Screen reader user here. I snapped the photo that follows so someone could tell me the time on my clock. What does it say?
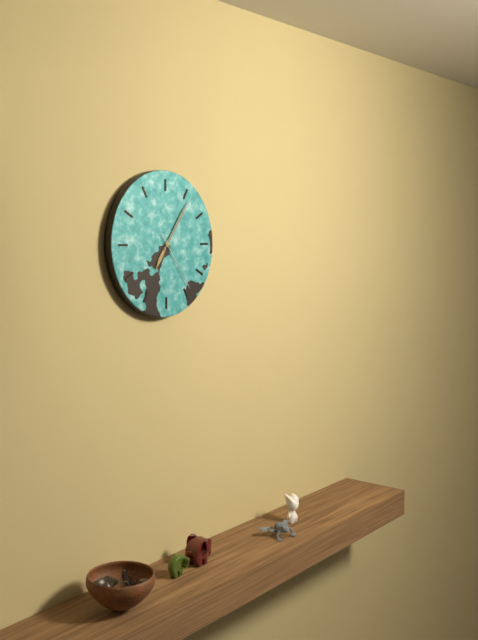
7:06:24
